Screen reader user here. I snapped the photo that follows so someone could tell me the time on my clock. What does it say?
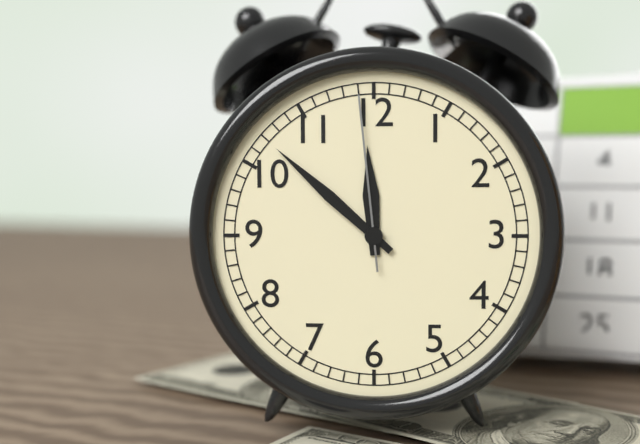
11:52:59
